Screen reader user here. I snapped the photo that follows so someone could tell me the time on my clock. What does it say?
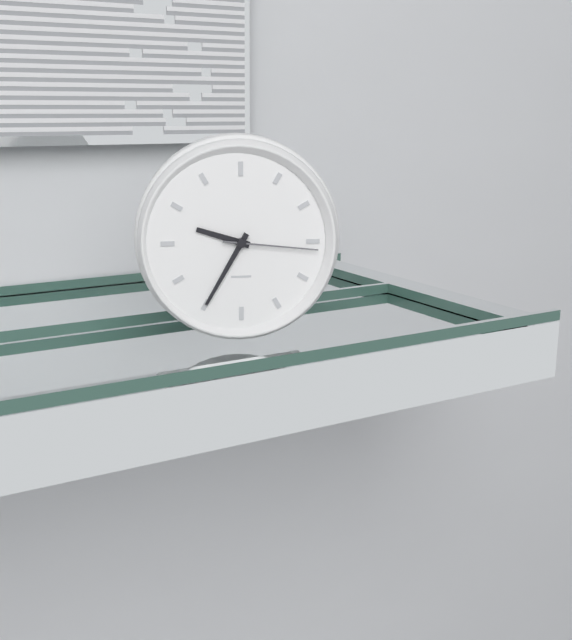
9:35:16
